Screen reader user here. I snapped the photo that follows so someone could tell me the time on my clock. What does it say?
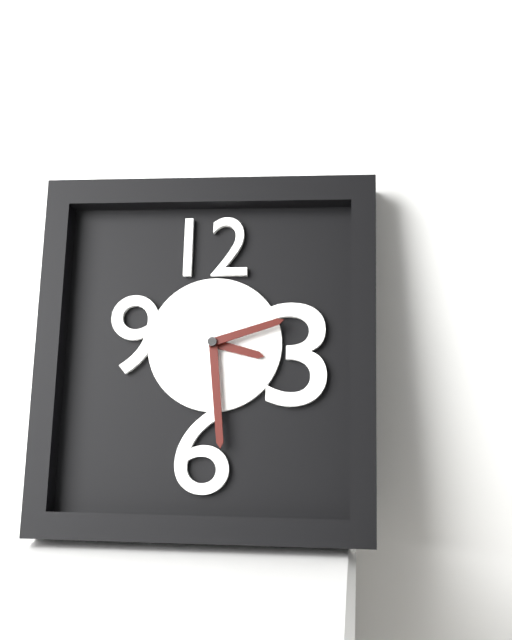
3:29:12
